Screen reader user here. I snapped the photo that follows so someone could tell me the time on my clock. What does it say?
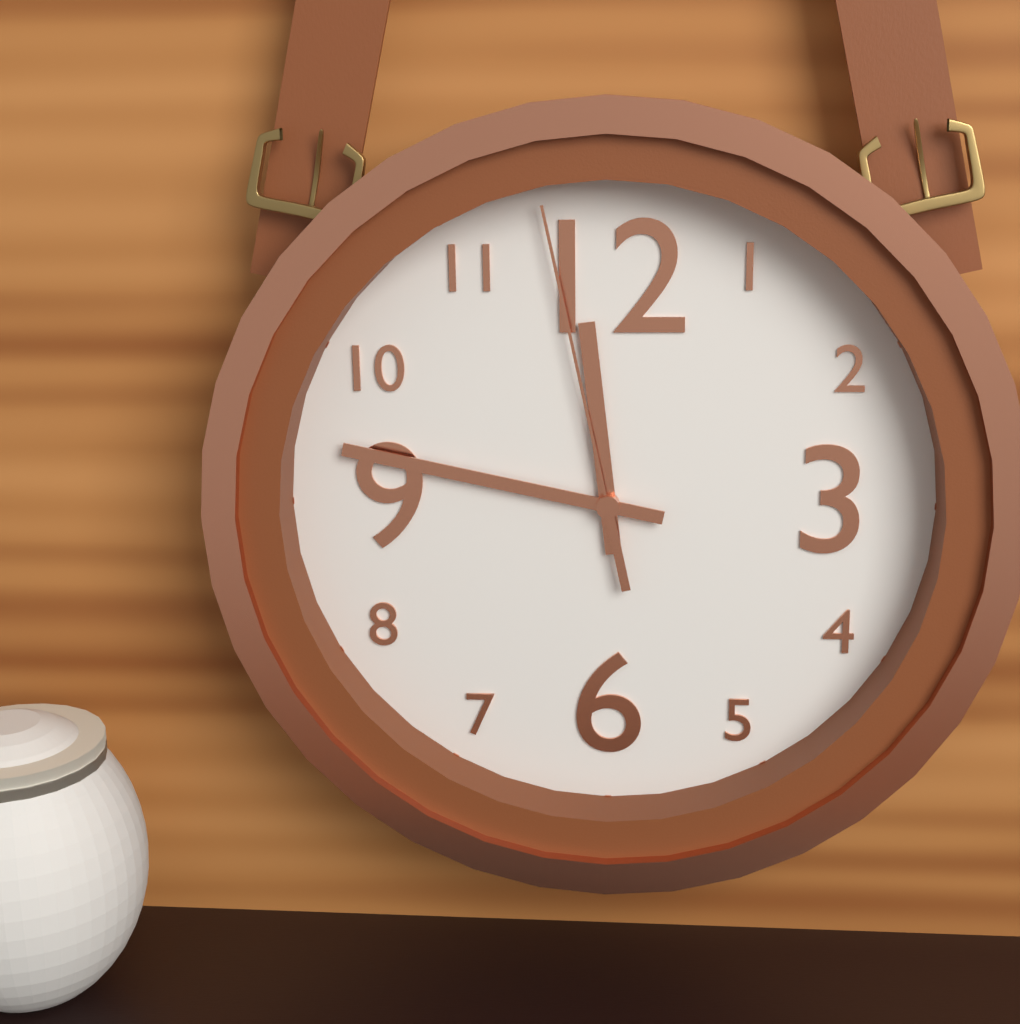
11:47:58
